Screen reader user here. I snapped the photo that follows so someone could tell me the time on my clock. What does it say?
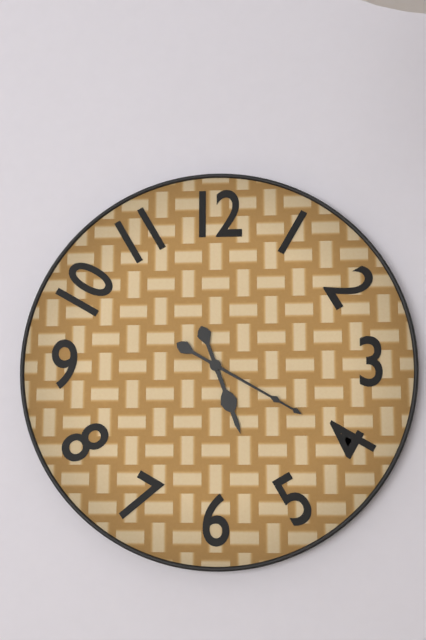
5:20
